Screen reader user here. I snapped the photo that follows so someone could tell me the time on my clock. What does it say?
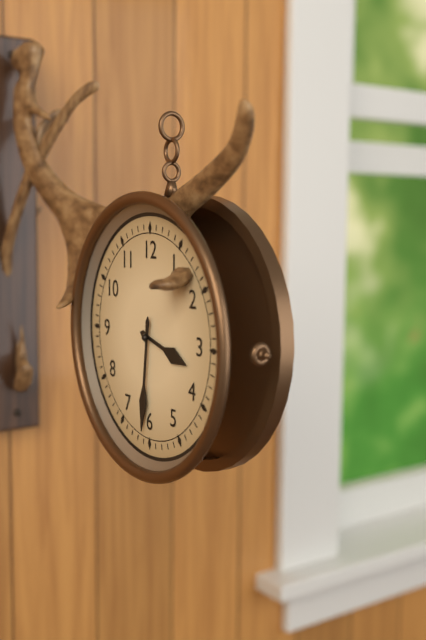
3:31
